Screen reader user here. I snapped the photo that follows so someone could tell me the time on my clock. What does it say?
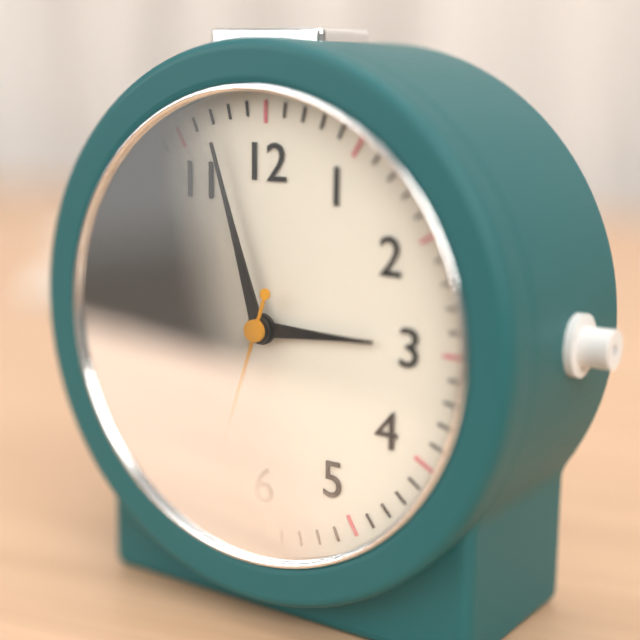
2:57:33
